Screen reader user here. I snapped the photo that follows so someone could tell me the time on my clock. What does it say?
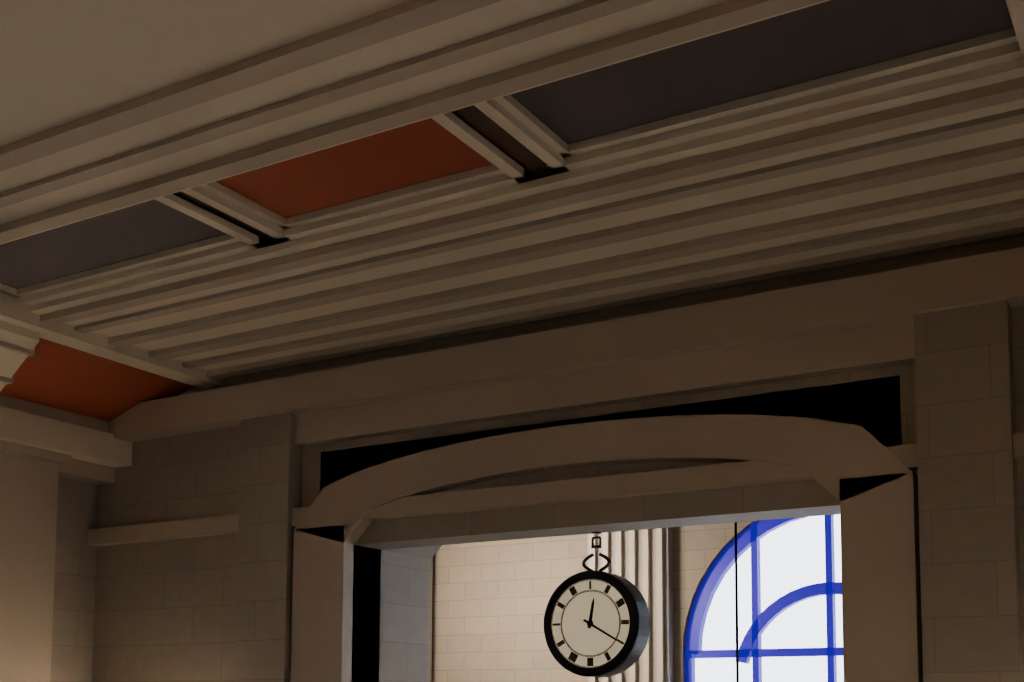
12:20
